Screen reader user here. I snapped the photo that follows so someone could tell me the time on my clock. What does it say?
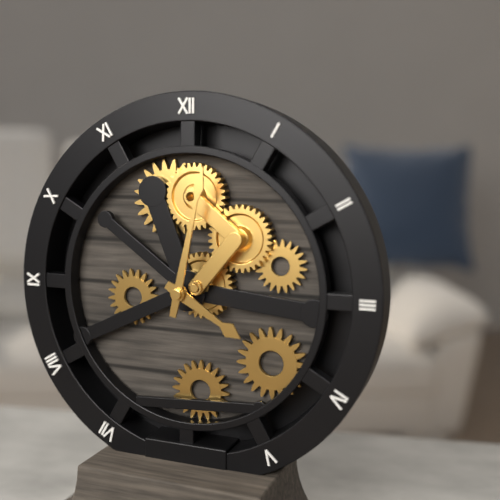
4:02
